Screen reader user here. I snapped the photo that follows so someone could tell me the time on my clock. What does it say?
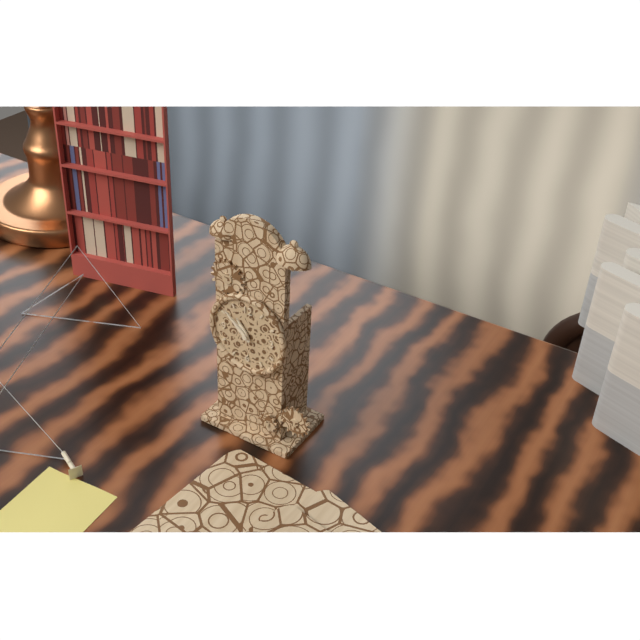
10:52
